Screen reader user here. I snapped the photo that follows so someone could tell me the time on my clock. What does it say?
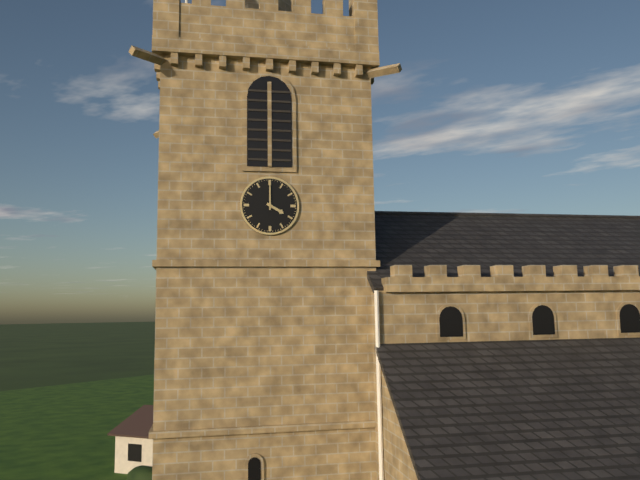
4:00
